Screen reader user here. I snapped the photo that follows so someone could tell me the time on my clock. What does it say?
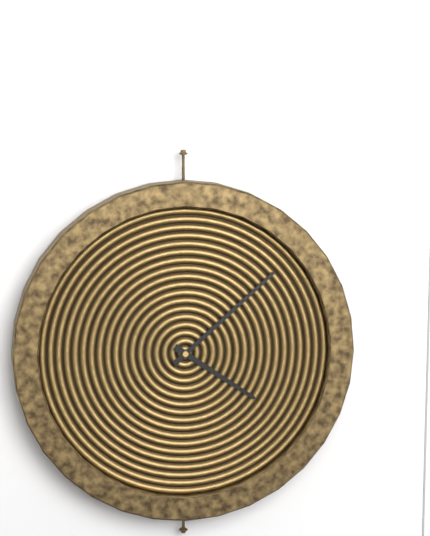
4:08
